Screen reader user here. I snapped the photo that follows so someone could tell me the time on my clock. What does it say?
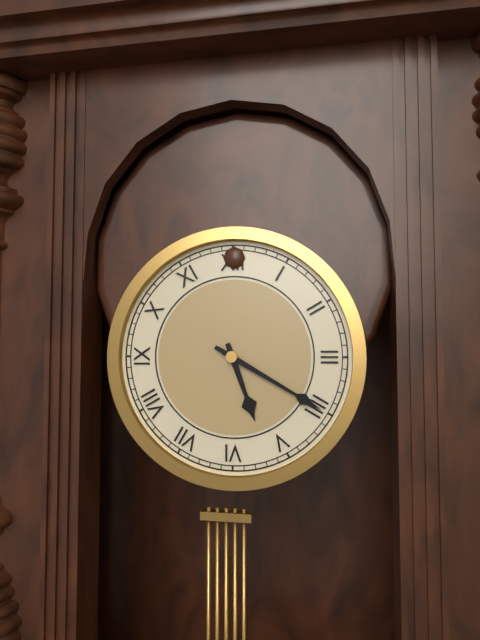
5:20
